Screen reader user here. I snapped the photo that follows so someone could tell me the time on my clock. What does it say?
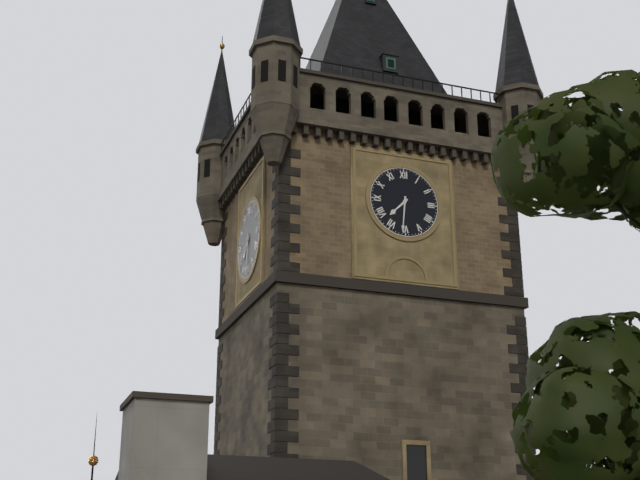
7:31
